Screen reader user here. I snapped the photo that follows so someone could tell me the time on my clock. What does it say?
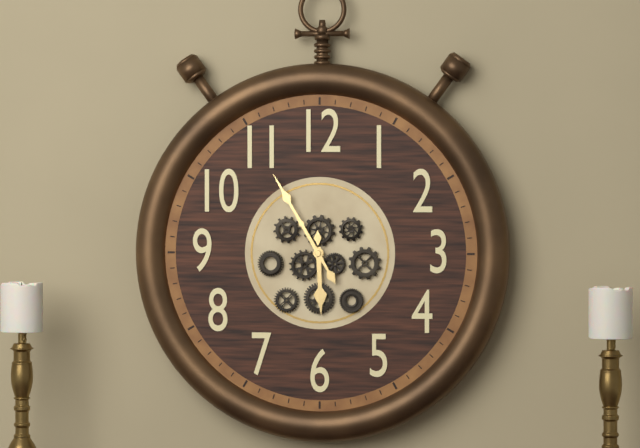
5:55
